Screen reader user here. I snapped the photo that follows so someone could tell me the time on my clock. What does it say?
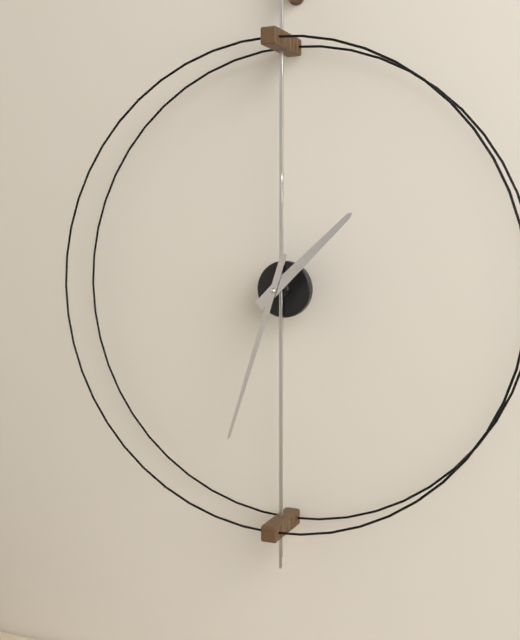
1:33
